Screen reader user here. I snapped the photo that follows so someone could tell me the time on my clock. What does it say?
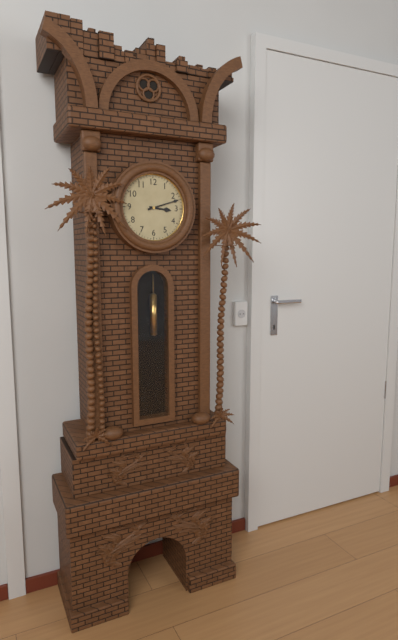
3:12
